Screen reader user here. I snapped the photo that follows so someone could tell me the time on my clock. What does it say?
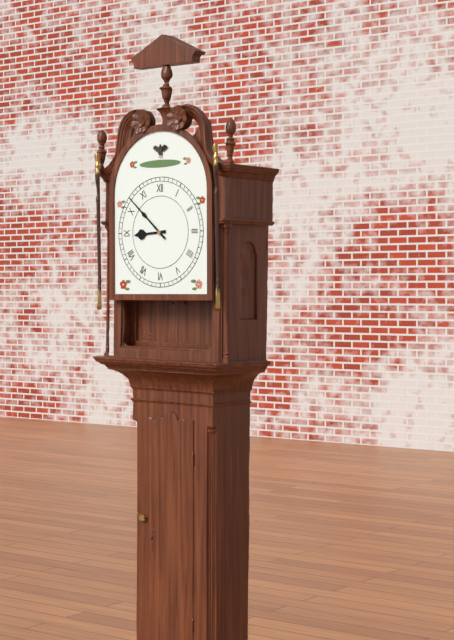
8:52
